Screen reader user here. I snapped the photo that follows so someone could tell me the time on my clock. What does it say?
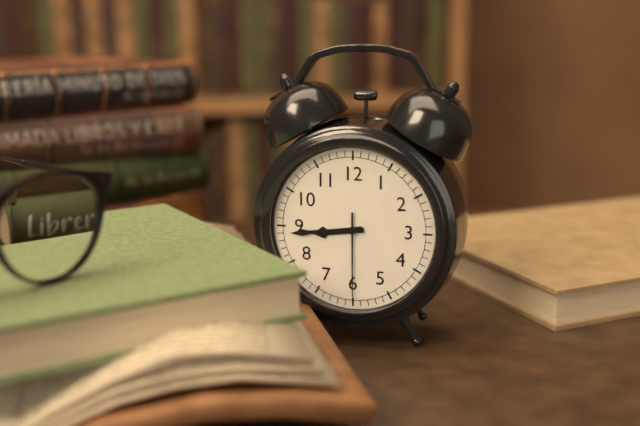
8:44:30
